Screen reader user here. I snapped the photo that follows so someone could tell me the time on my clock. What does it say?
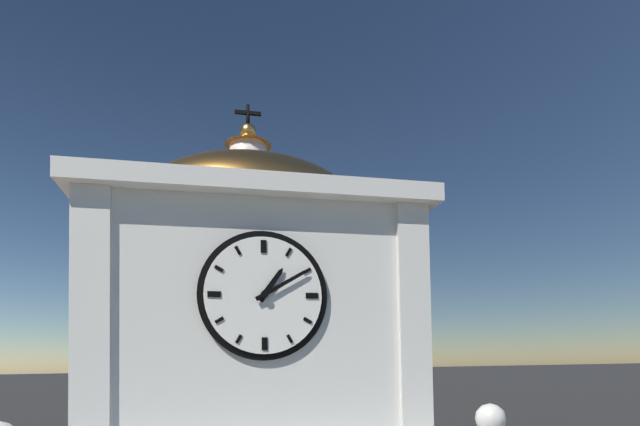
1:10
